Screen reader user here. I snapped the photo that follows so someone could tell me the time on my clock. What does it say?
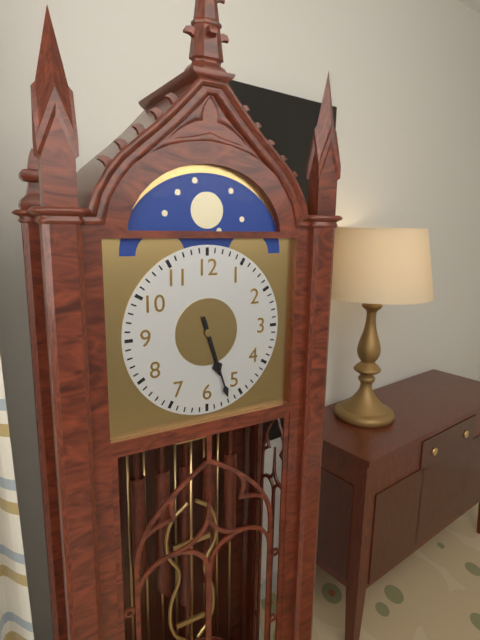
5:27
